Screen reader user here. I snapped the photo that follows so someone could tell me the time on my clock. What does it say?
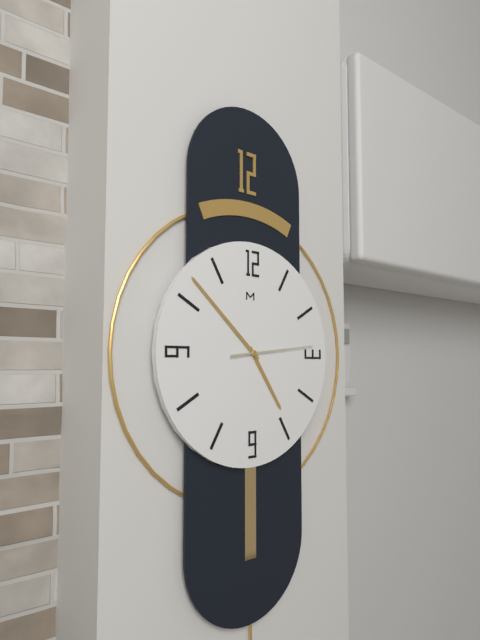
4:52:14
